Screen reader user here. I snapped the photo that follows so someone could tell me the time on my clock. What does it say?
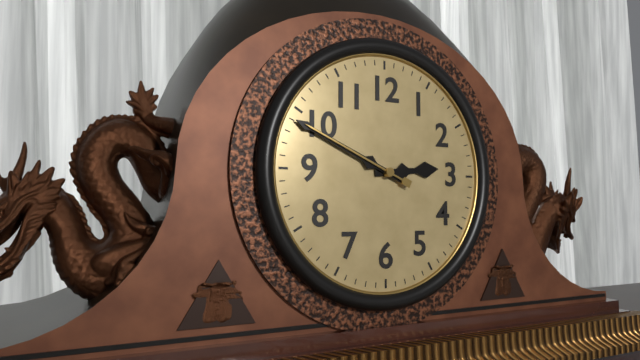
2:49:49
